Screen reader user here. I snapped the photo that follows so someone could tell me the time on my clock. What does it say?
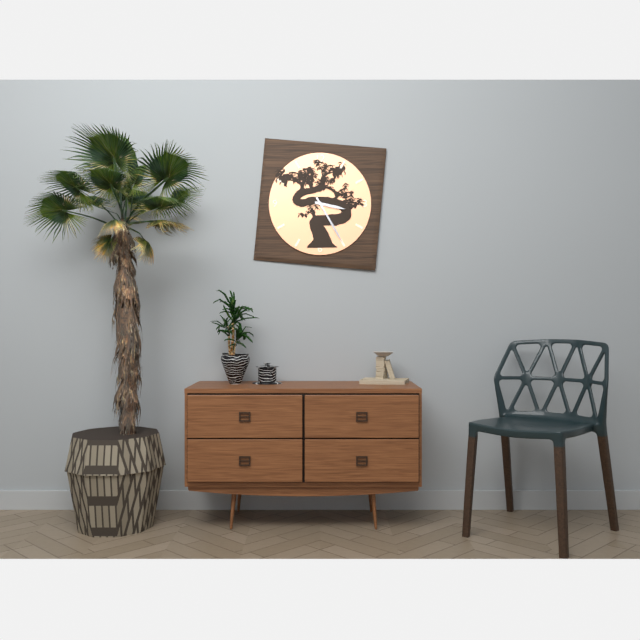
3:25
